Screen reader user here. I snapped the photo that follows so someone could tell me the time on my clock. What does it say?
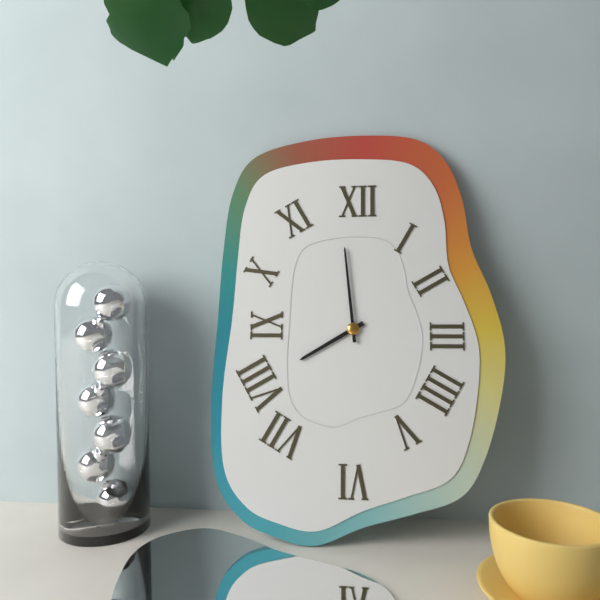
7:59
